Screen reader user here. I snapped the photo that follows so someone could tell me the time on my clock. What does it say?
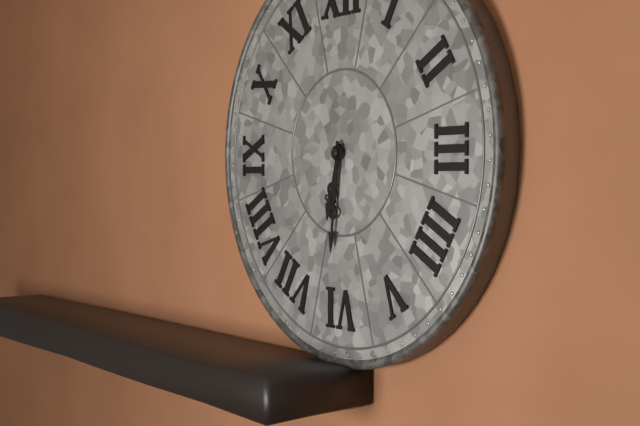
6:31
